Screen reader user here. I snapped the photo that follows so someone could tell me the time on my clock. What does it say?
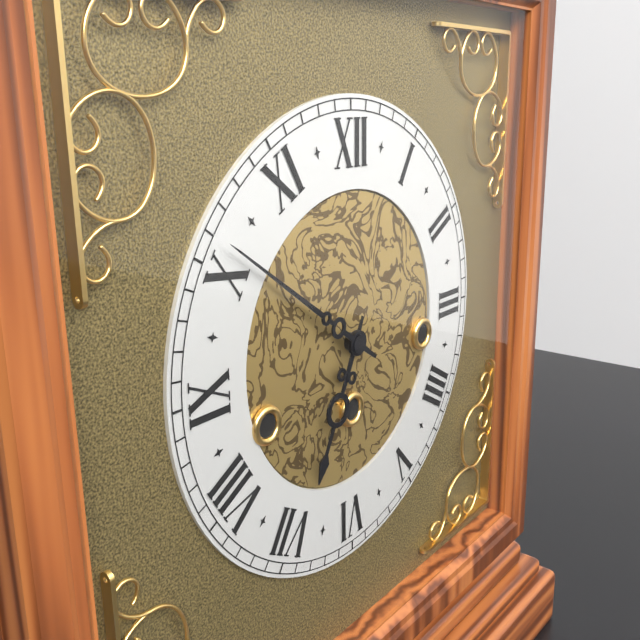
6:51
